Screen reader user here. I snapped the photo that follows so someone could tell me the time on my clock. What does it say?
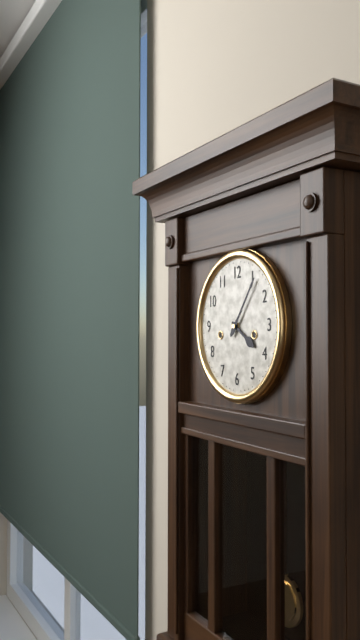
4:06
